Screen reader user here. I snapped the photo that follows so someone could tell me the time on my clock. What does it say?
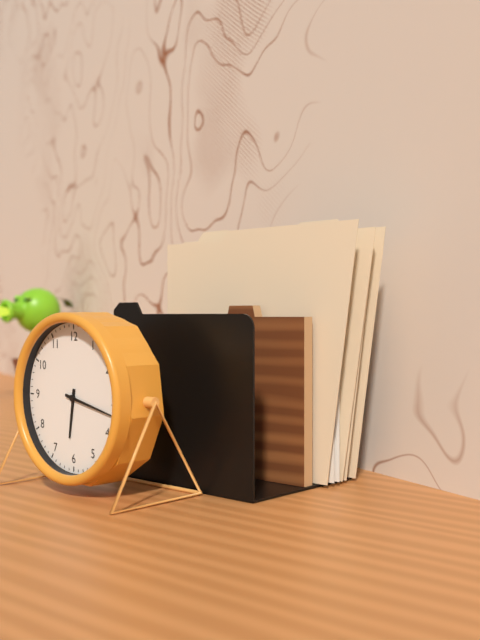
6:17
